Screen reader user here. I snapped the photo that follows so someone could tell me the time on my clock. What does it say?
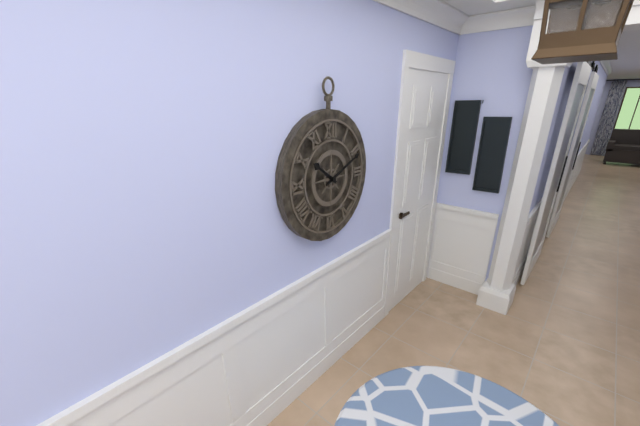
10:11
